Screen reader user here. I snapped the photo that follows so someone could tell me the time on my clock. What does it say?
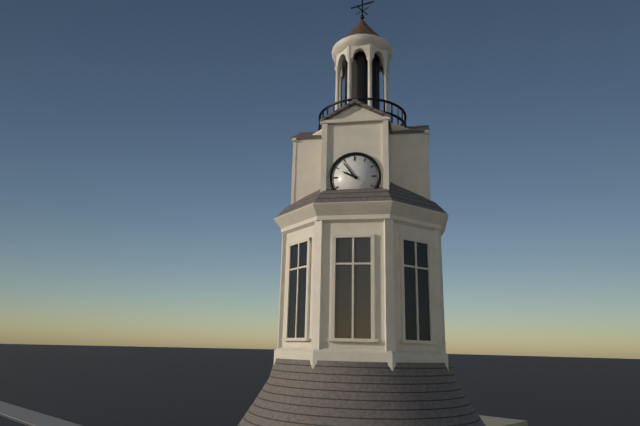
9:54
